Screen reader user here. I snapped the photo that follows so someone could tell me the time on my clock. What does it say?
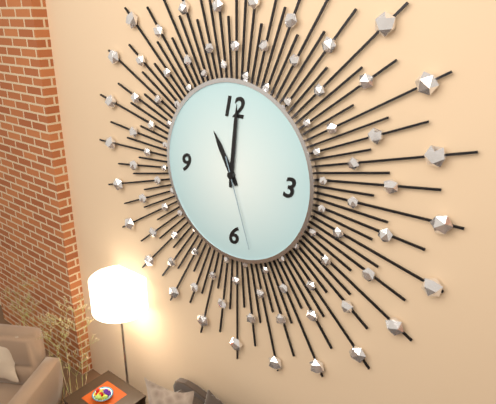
11:01:27
